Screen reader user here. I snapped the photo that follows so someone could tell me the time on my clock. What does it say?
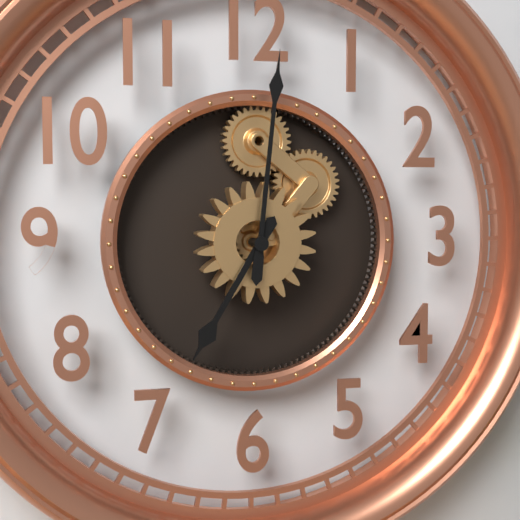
7:01
